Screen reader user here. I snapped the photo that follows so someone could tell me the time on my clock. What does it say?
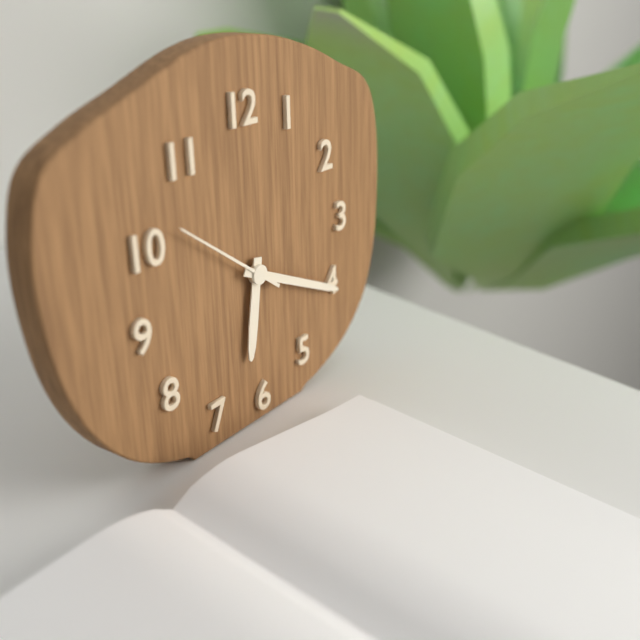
6:19:51
